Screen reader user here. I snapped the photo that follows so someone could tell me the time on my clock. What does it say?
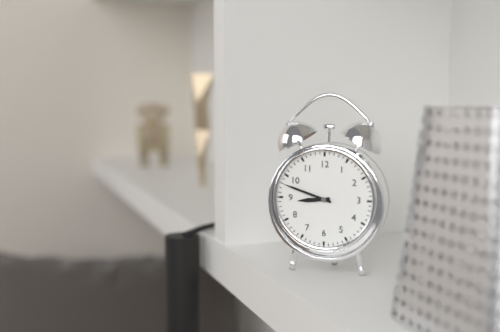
8:48
